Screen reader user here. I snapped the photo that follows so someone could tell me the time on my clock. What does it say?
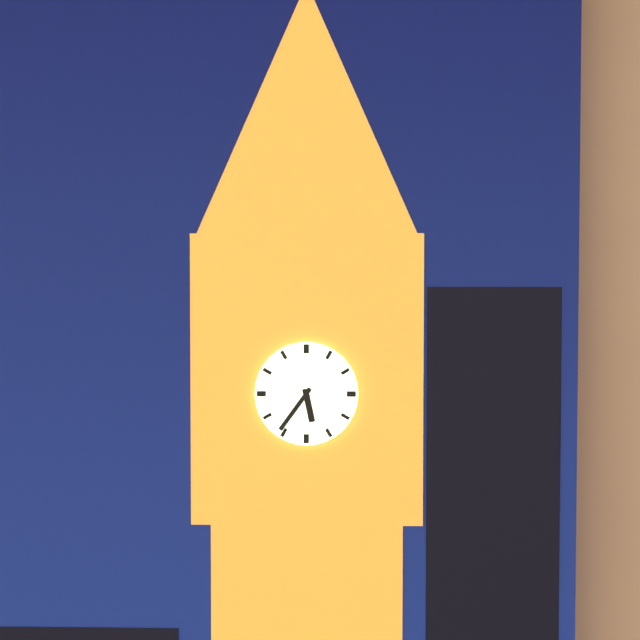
5:36
